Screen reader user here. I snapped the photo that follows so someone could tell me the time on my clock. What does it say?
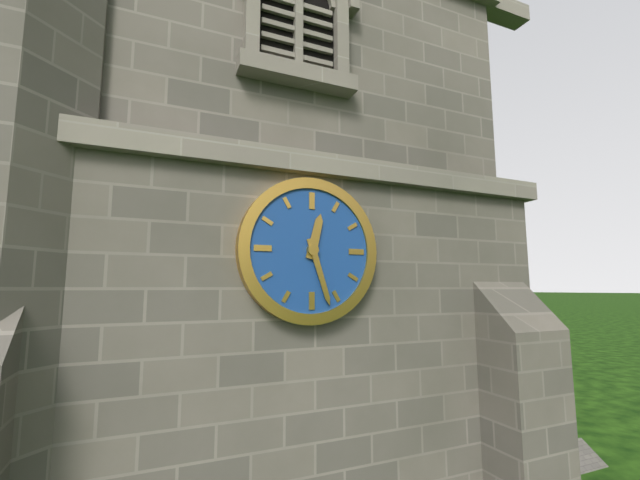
12:27
